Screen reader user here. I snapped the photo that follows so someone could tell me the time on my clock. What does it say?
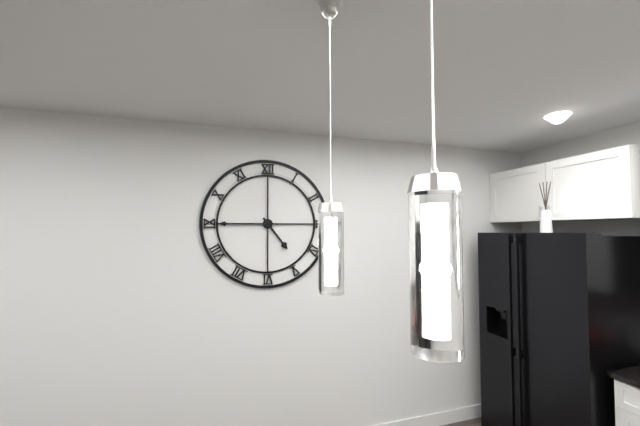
4:45
